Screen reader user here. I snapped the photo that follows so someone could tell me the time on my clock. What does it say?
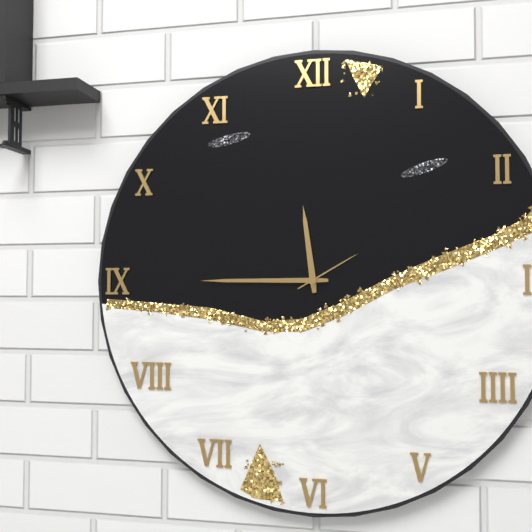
11:45:10
